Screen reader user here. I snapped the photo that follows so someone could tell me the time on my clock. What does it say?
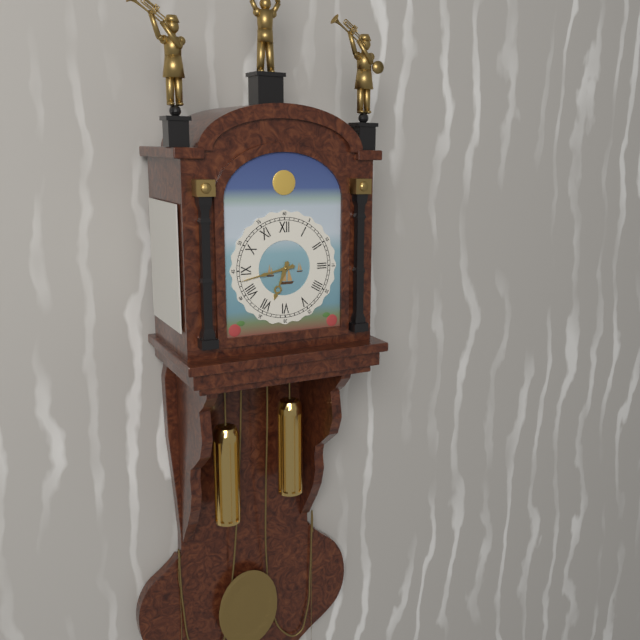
6:43
